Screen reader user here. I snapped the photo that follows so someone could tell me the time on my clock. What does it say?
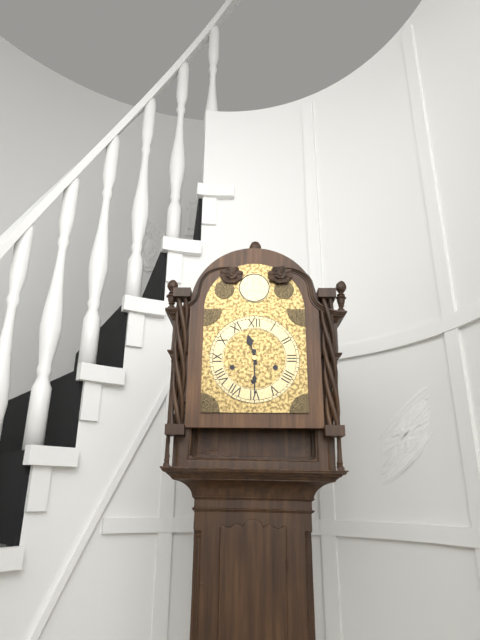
11:30
